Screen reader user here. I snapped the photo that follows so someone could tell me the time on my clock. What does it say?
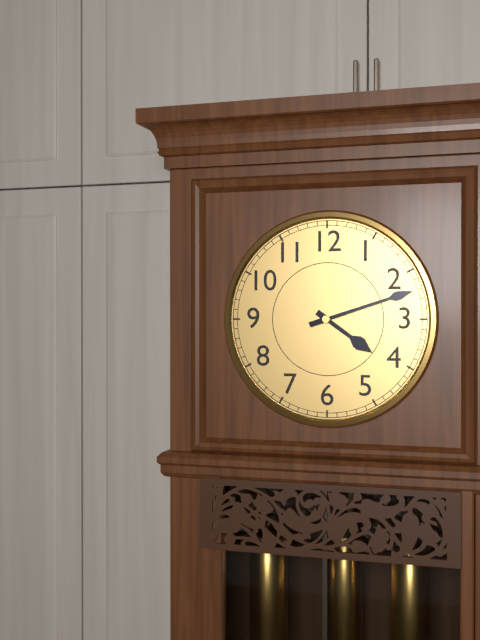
4:12
